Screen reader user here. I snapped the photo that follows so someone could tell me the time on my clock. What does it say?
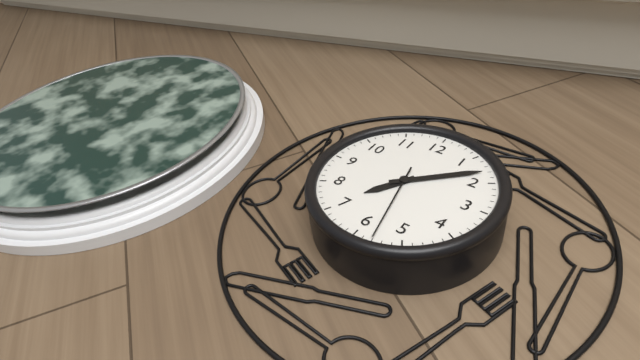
7:08:28
